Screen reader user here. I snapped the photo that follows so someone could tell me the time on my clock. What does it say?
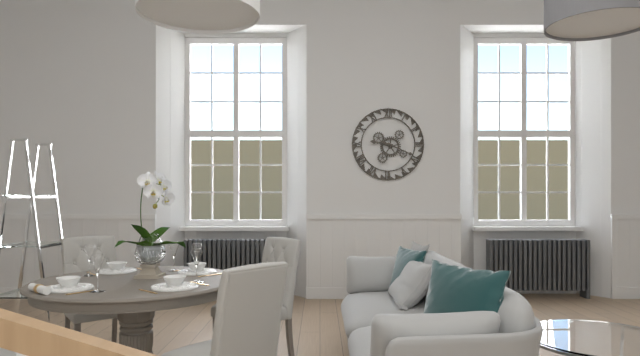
9:19
